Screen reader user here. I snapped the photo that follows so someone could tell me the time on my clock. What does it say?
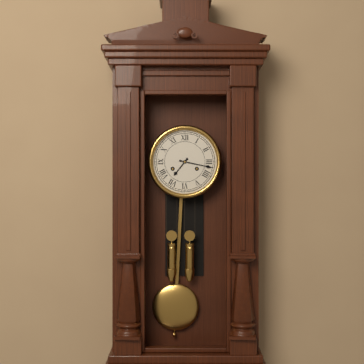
7:17
